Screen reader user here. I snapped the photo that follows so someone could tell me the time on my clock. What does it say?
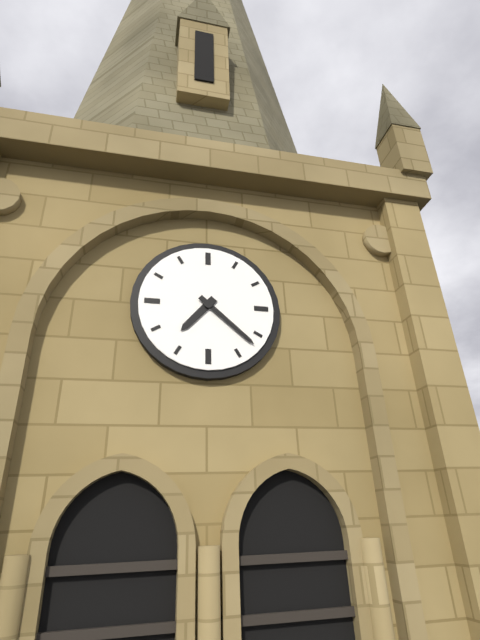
7:22
